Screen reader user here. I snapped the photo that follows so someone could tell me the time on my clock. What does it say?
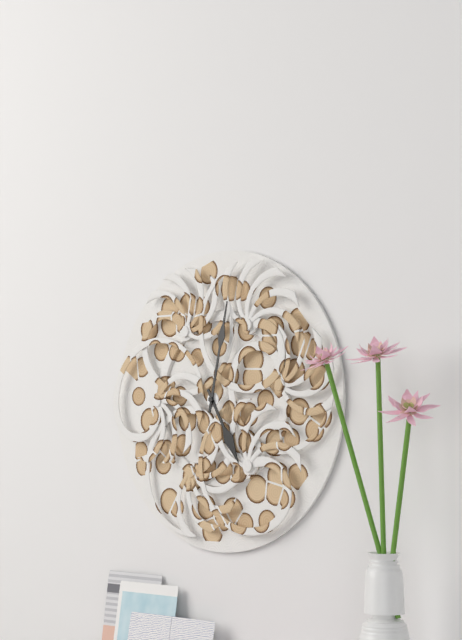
5:02
